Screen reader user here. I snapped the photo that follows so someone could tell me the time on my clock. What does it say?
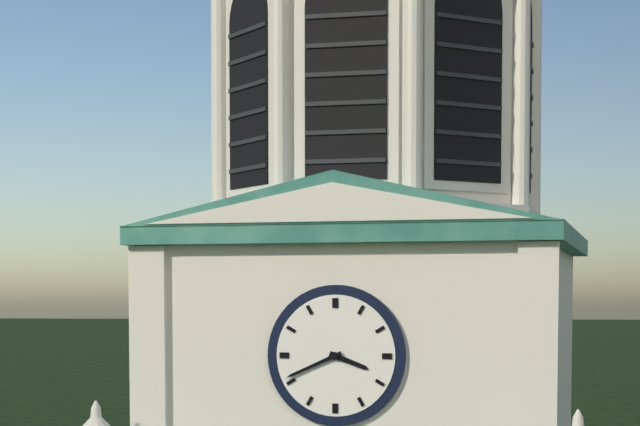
3:41
